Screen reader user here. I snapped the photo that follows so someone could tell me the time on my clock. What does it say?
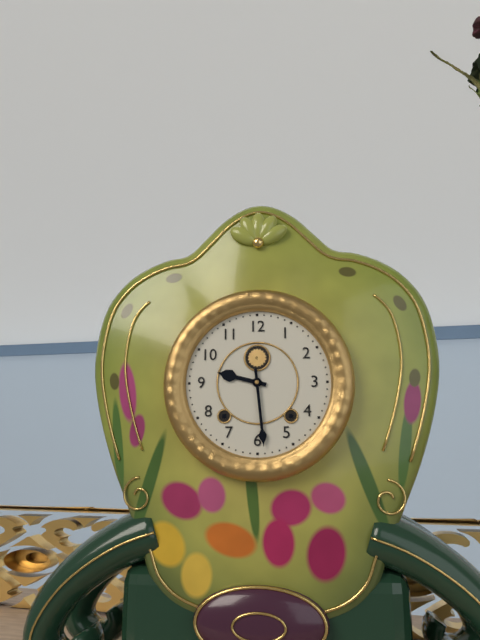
9:29
